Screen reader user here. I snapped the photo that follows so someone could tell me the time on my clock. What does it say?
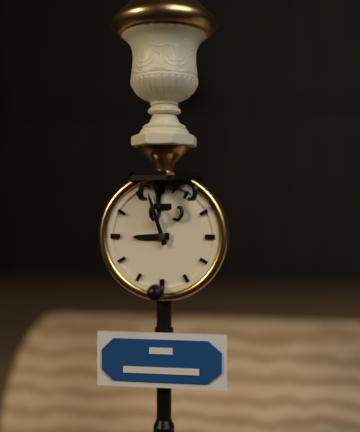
8:57
